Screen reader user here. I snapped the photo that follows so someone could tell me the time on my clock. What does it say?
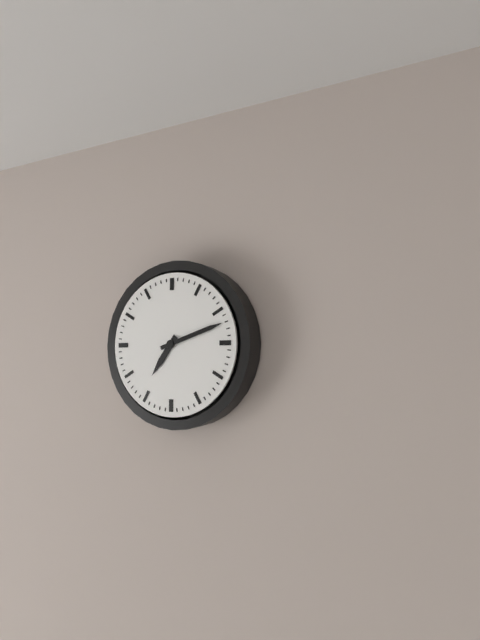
7:12
